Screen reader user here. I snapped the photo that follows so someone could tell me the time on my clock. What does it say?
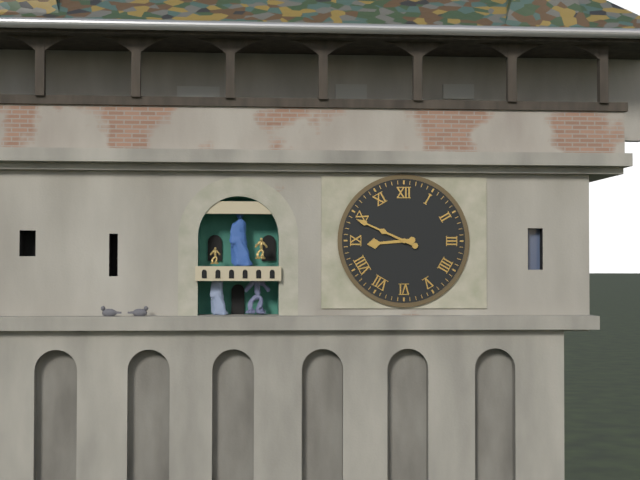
8:49
